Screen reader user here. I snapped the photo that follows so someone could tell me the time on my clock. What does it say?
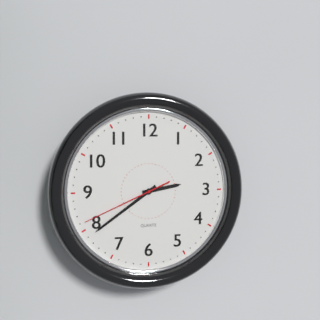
2:39:41
